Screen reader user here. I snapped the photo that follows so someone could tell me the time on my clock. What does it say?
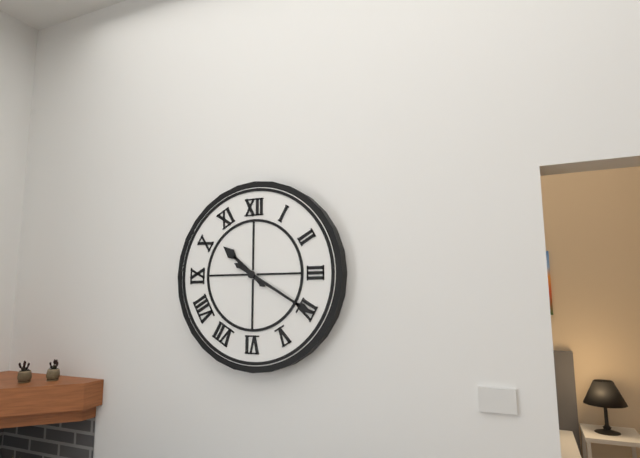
10:20
